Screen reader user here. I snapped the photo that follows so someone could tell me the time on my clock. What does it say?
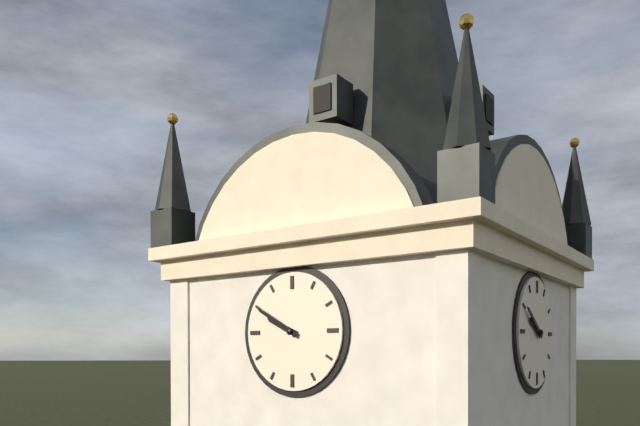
9:50
